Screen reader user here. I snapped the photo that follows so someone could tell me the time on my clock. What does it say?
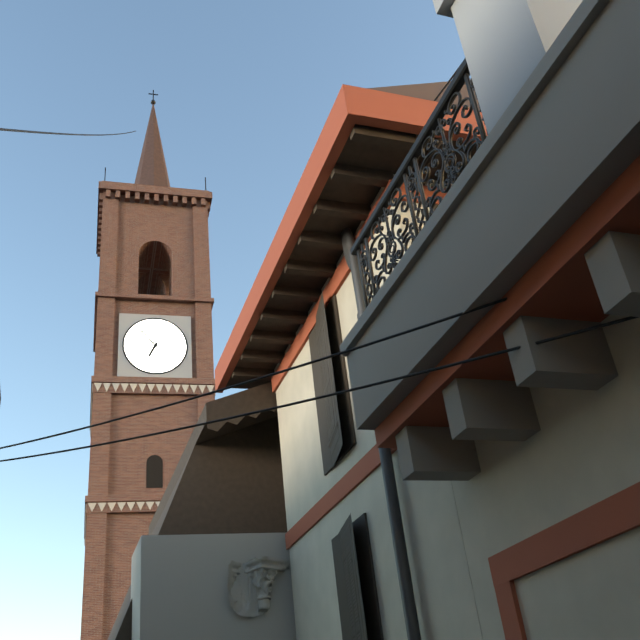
6:53
